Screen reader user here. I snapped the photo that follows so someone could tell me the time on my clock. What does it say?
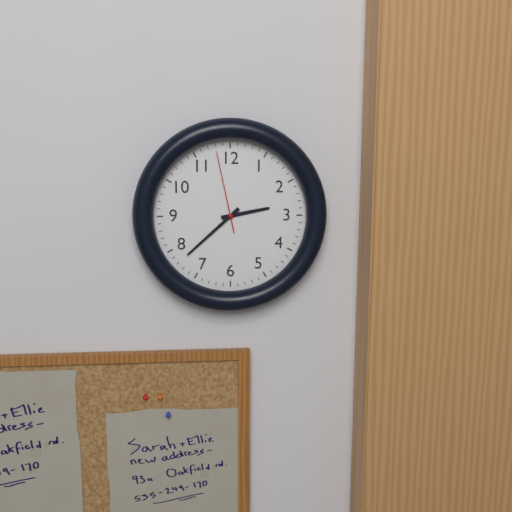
2:38:58
